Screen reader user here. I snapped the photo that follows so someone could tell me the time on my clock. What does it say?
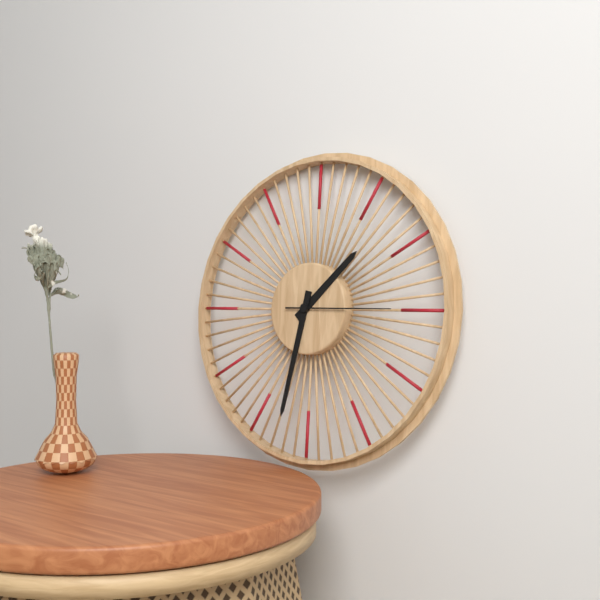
1:32:15
